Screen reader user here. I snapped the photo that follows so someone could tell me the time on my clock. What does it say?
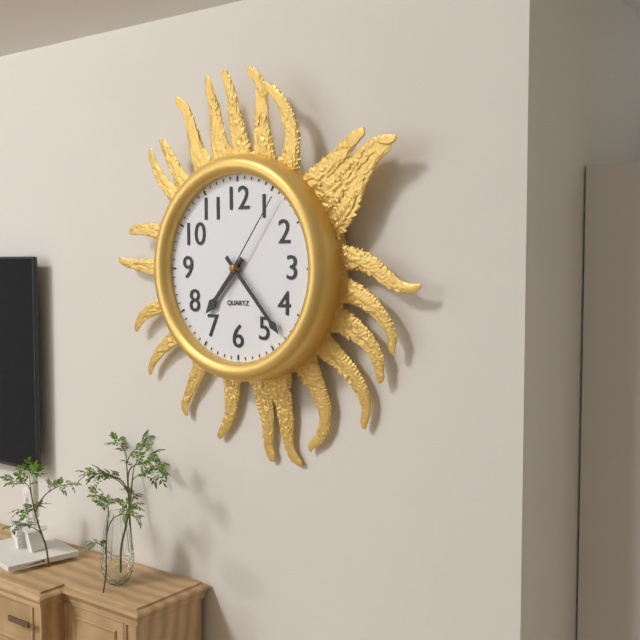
7:23:06
